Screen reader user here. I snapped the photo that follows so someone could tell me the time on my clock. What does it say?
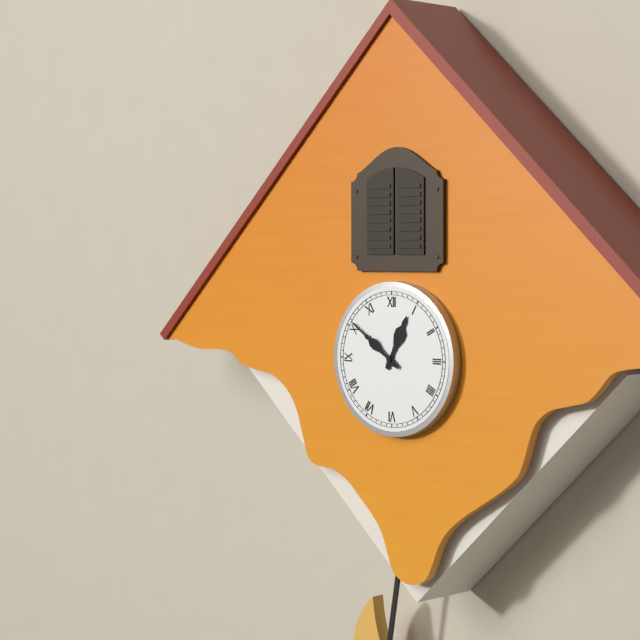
12:51
